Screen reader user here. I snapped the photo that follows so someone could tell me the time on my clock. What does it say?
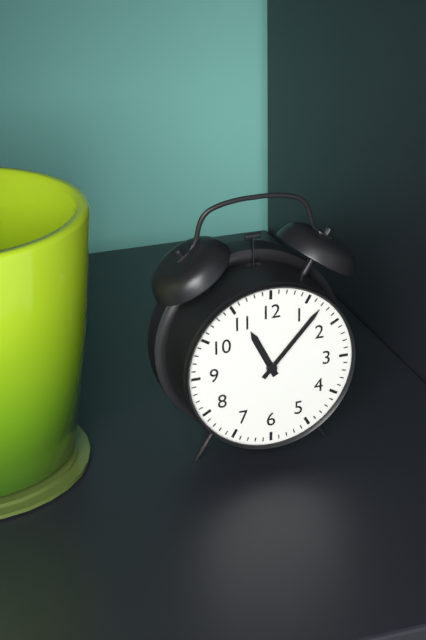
11:07
